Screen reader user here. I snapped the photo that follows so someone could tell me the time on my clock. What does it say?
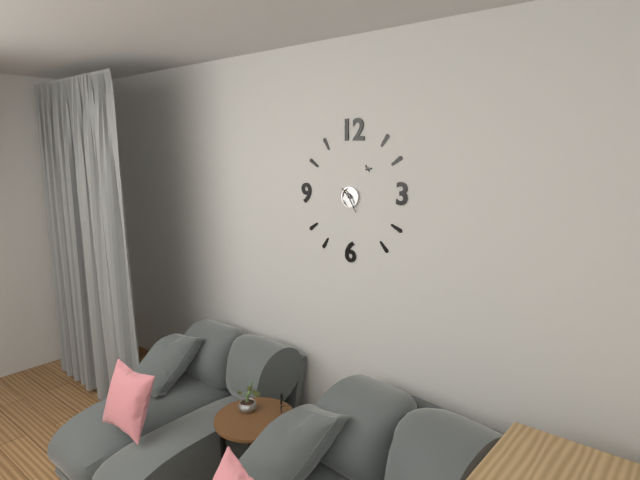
10:25
